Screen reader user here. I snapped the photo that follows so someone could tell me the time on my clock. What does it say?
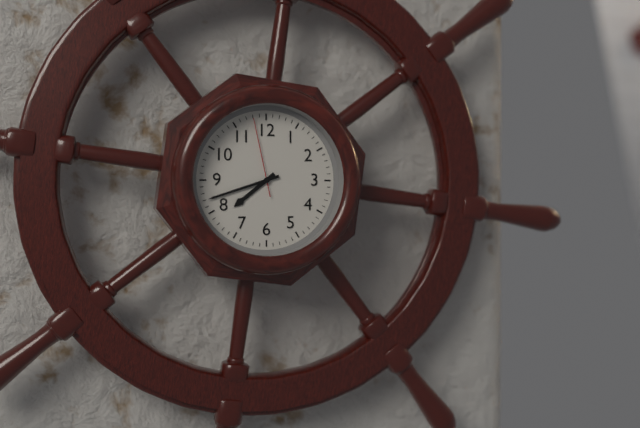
7:42:58
